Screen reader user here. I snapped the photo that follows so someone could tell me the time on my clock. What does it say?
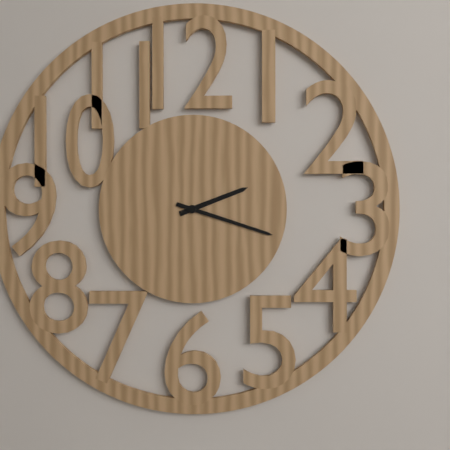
2:18
